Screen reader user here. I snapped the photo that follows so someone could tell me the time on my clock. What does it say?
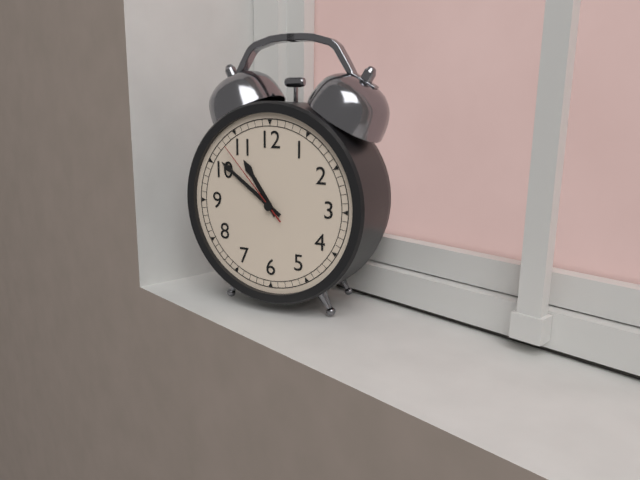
10:51:53
